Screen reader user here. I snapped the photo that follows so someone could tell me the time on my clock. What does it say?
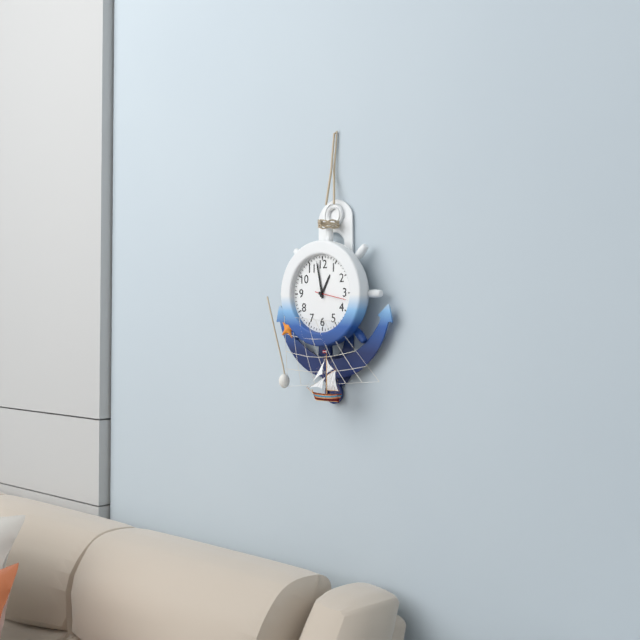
12:58
